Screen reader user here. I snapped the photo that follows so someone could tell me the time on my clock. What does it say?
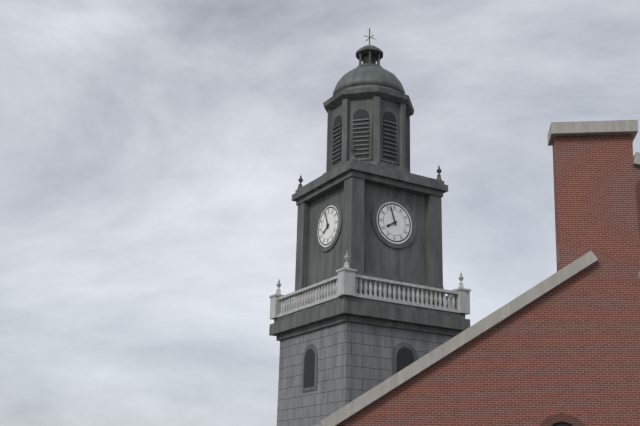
7:57
